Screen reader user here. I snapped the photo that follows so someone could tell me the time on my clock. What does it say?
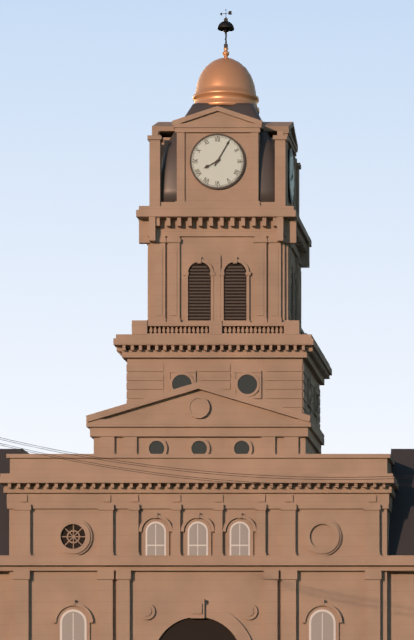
8:05
